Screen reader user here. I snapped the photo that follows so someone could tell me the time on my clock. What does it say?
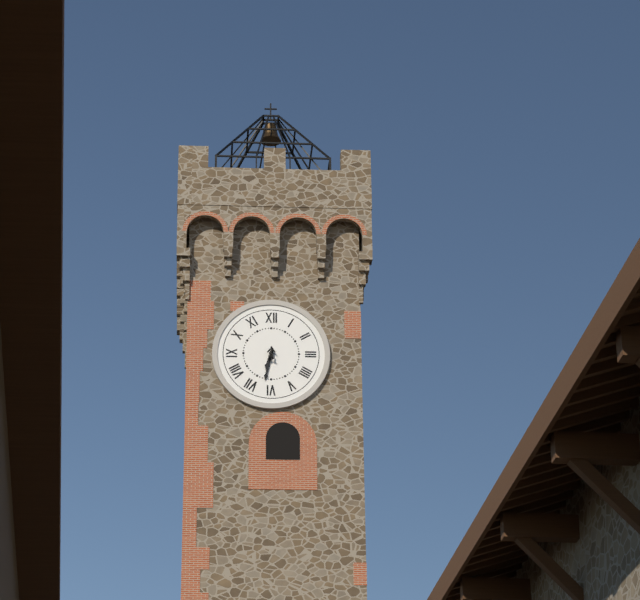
6:32
